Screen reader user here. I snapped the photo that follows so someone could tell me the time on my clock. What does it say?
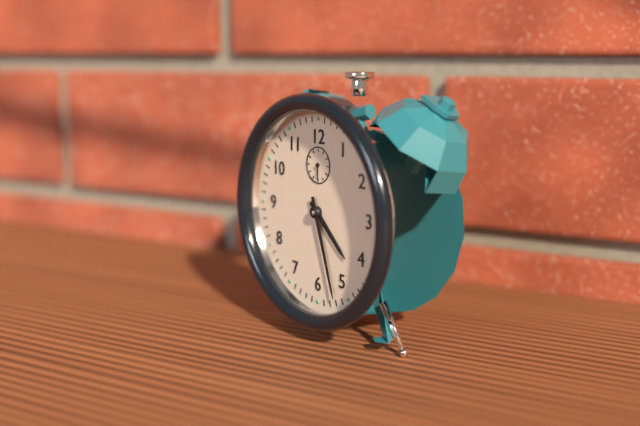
4:27
